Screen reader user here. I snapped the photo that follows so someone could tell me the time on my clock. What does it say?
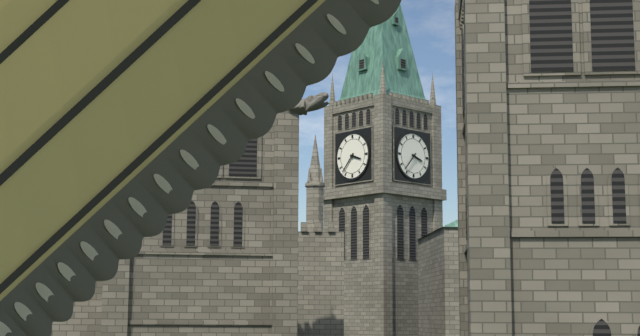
3:37
